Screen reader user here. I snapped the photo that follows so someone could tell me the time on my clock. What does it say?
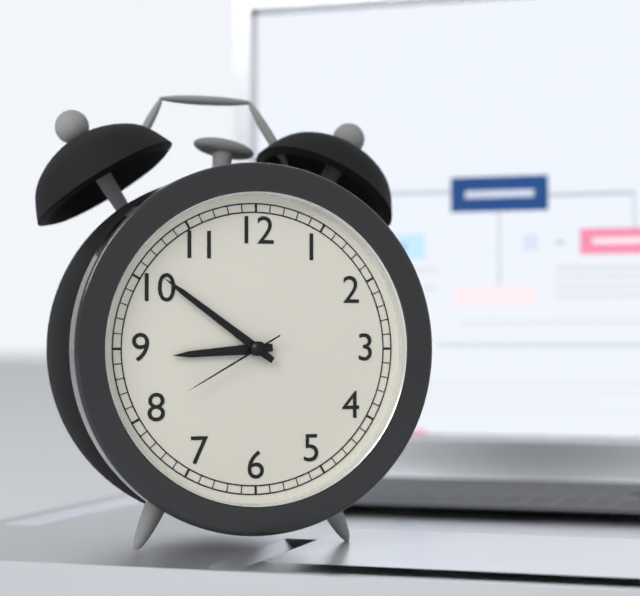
8:51:40
